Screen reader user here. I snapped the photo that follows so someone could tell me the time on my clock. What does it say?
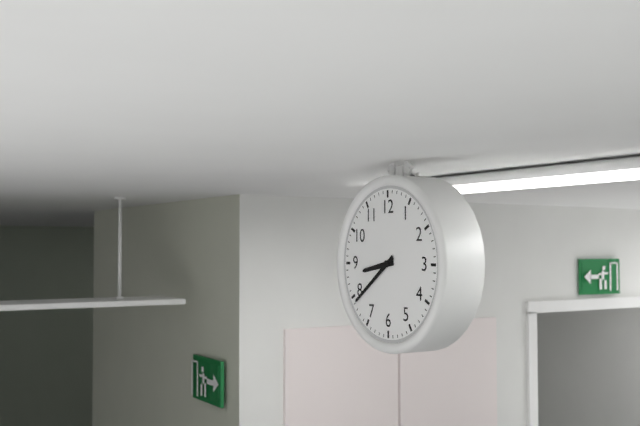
8:39
